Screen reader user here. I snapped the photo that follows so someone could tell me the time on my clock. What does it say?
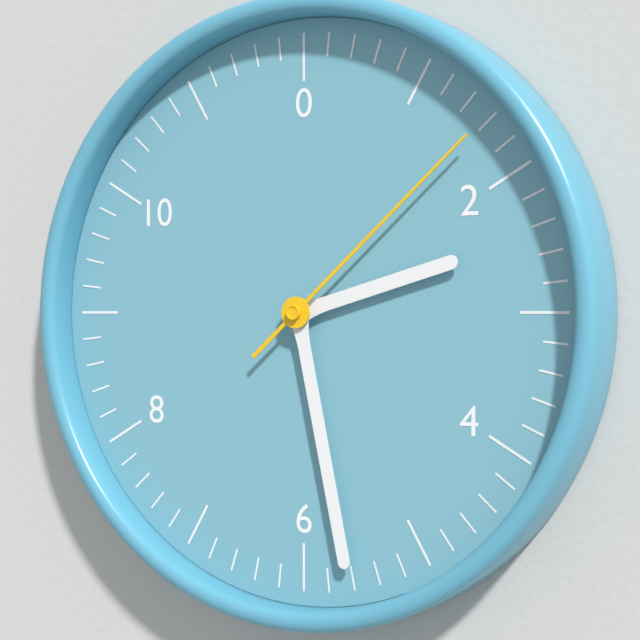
2:28:08
